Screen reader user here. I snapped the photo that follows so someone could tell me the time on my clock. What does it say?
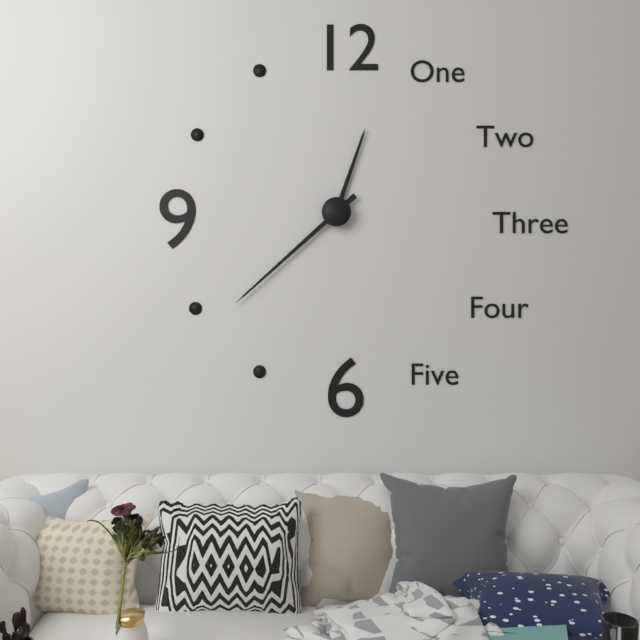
12:38
